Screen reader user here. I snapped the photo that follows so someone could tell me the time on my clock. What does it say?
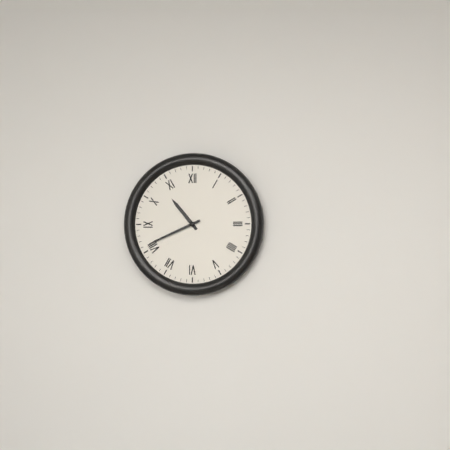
10:41
